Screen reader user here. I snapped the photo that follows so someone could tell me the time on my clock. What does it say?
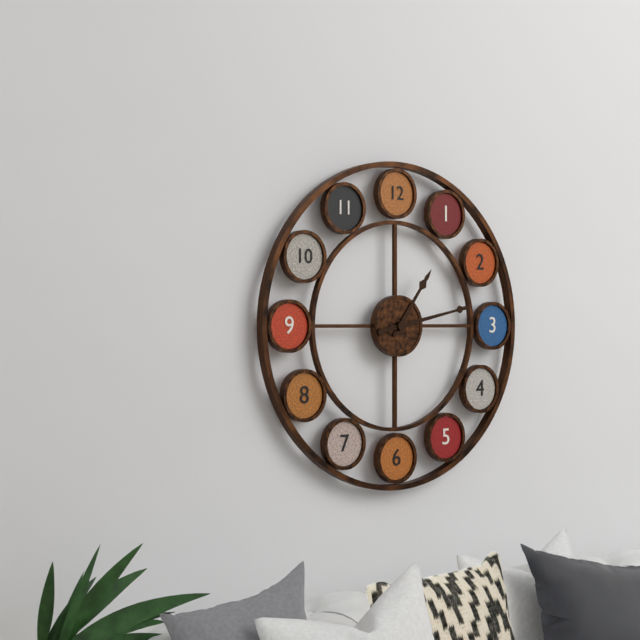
1:13
